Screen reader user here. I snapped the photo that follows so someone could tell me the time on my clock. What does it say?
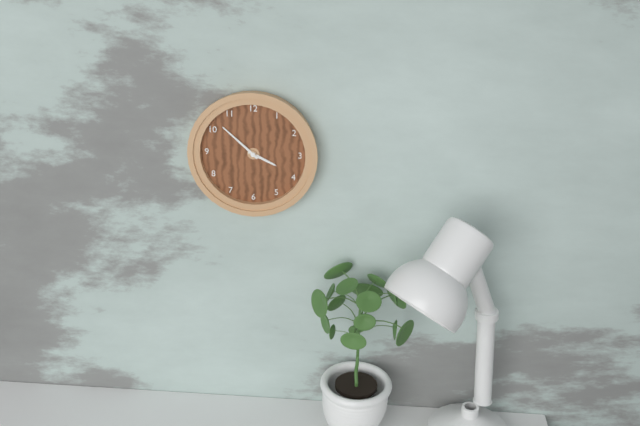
3:52
